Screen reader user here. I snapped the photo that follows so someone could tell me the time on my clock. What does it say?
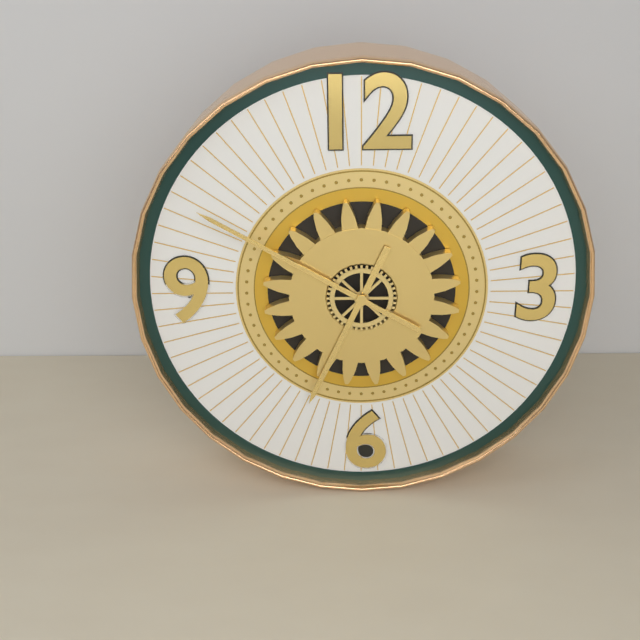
6:50
